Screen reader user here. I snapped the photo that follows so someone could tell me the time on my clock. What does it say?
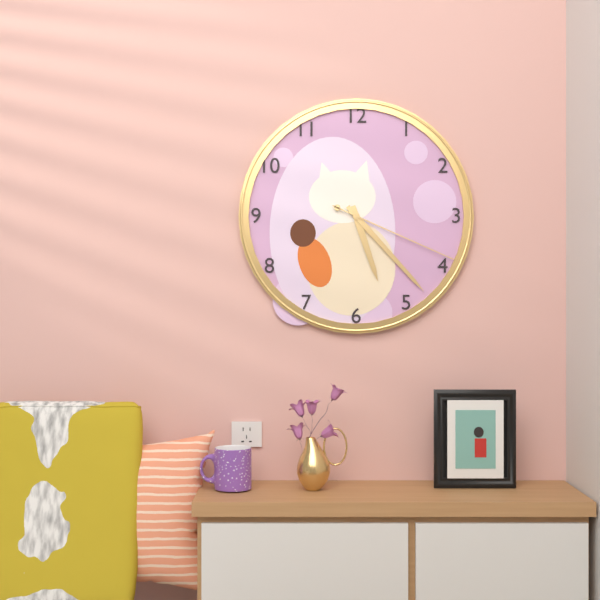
5:23:19
